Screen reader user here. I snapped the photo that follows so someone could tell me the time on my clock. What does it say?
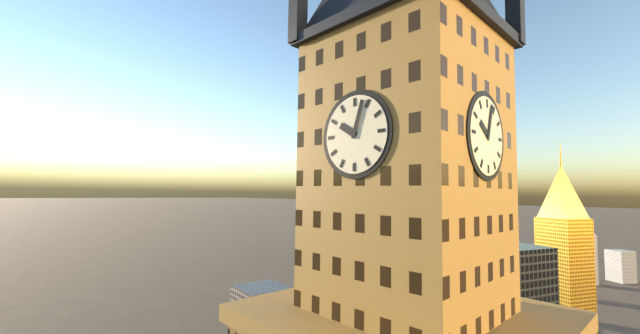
10:03
